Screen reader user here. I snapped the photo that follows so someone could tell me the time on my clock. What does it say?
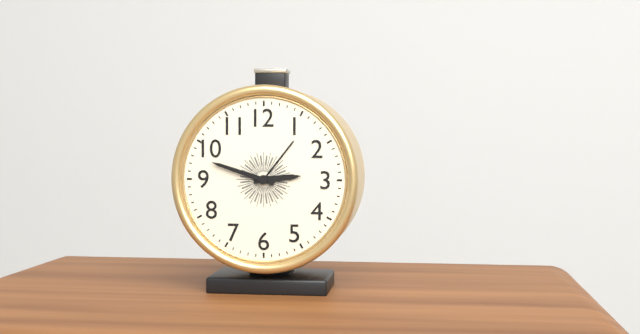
2:48
